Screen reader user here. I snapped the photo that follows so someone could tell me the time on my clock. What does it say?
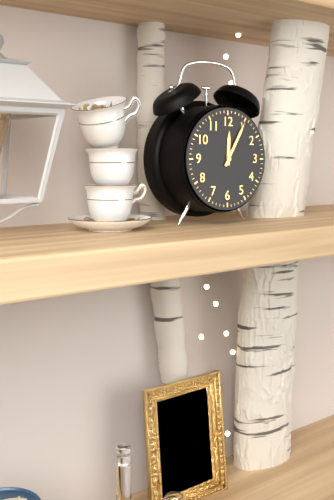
12:05
